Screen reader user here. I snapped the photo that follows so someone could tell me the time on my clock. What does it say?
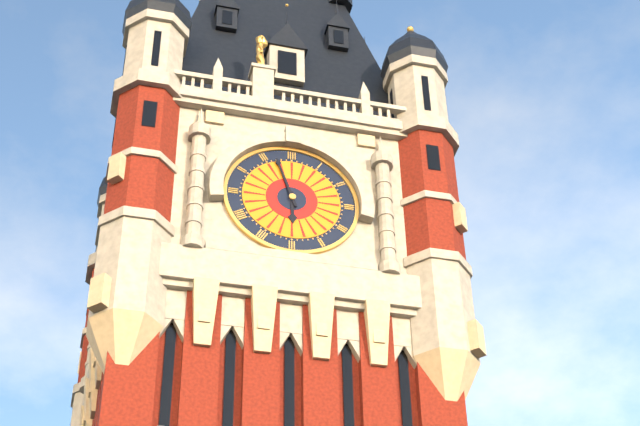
5:57
